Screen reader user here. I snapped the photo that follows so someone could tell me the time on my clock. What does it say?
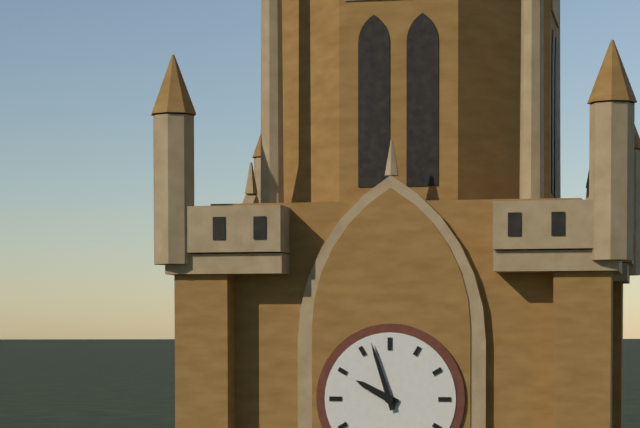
9:57
